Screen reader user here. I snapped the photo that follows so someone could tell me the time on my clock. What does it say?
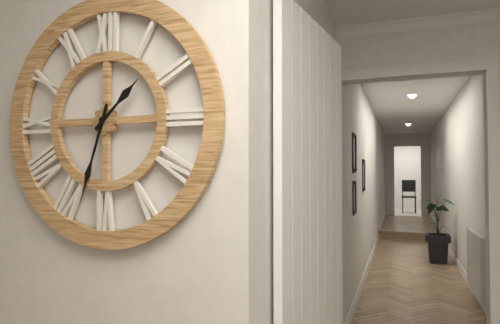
1:33
